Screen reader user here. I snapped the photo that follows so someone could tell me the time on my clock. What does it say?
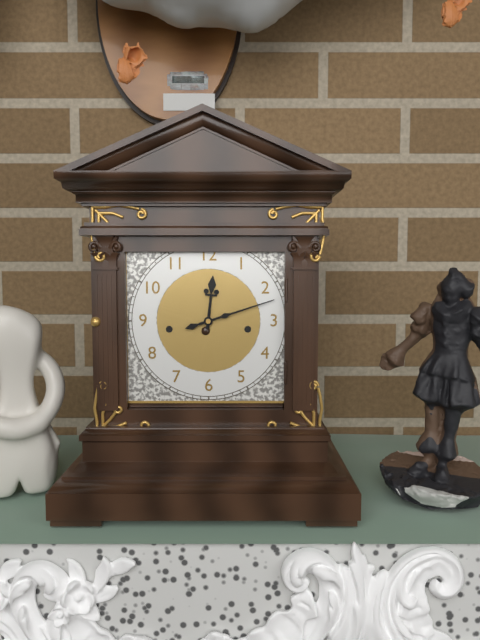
12:12
